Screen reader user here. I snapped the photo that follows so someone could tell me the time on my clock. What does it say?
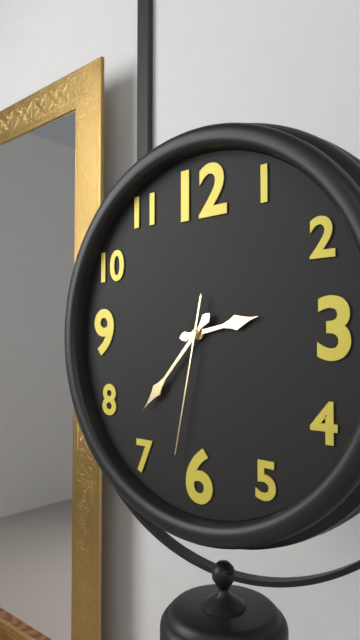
2:37:32
